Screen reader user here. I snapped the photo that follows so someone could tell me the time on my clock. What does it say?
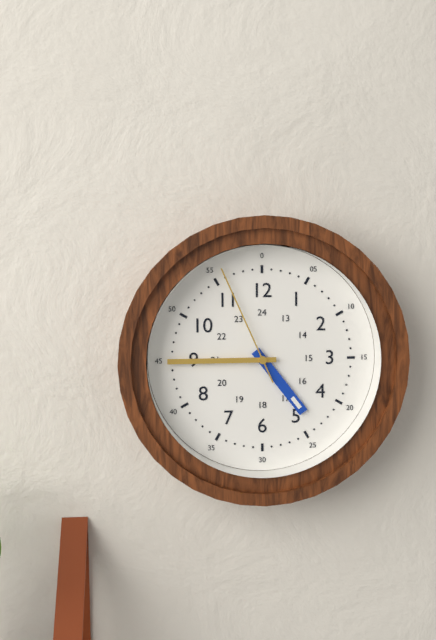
4:45:56
